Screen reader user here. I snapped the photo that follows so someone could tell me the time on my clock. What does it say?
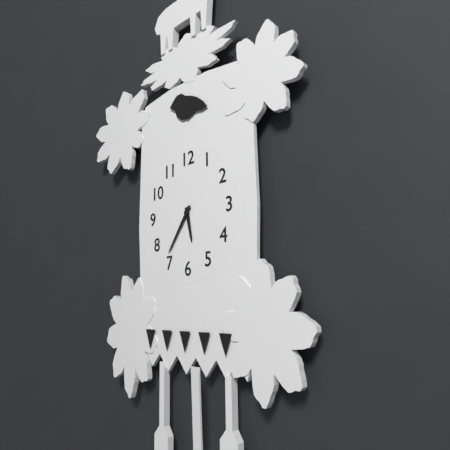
5:36
